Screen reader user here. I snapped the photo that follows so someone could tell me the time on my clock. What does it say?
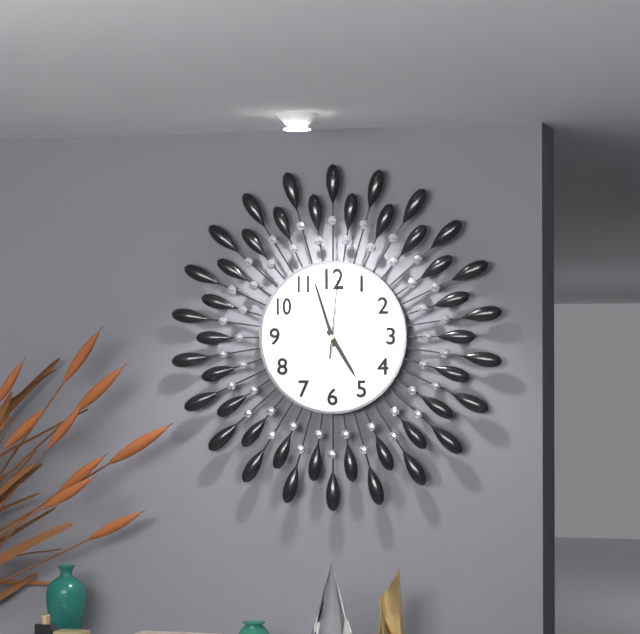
4:57:01
